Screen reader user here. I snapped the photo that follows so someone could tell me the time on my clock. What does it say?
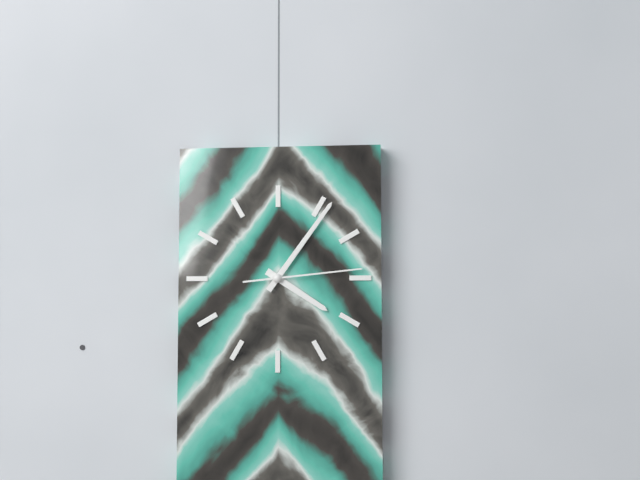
4:06:14
